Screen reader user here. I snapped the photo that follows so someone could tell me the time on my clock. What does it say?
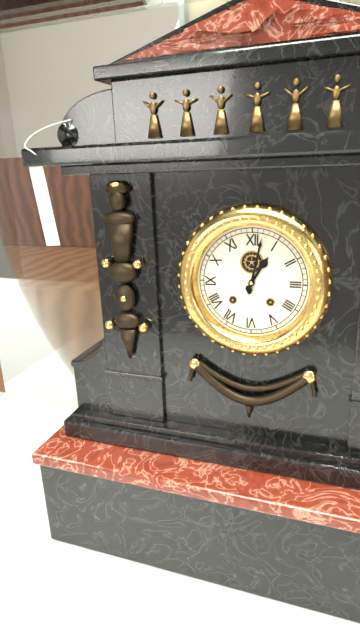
1:02
